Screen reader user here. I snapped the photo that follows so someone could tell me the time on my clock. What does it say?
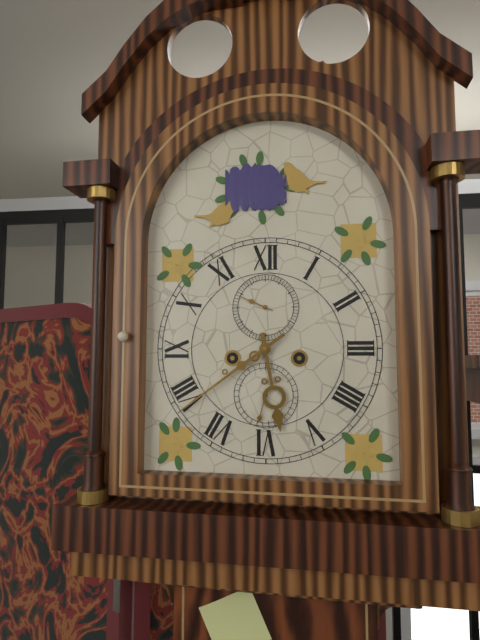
5:39
